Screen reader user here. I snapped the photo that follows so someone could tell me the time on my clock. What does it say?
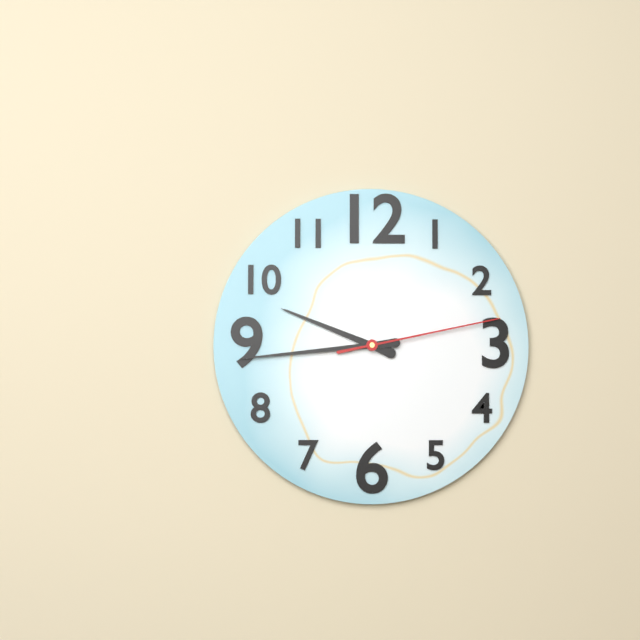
9:44:13
